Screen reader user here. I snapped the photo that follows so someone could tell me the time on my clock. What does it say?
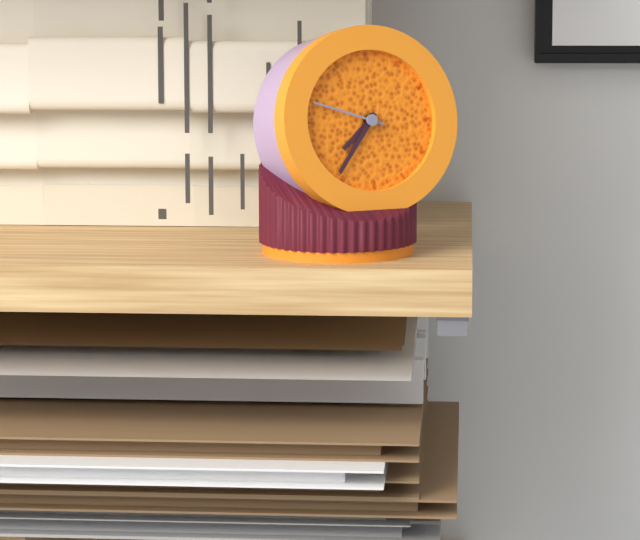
7:36:48
